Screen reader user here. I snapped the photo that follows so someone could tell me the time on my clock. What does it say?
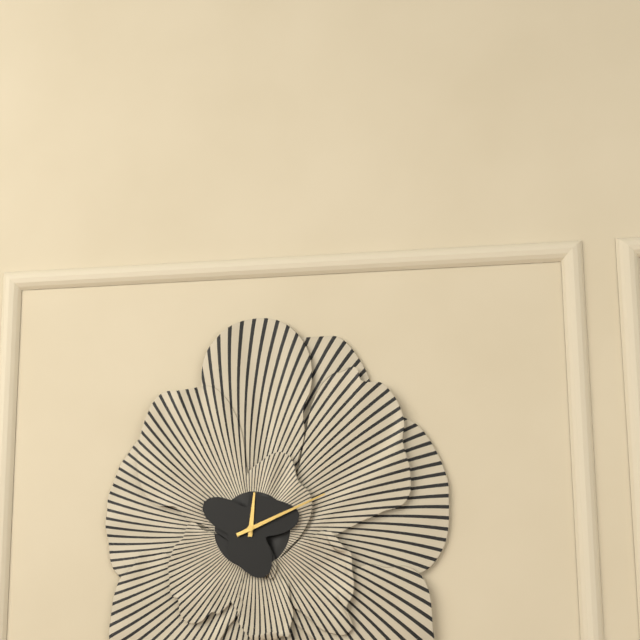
12:11
